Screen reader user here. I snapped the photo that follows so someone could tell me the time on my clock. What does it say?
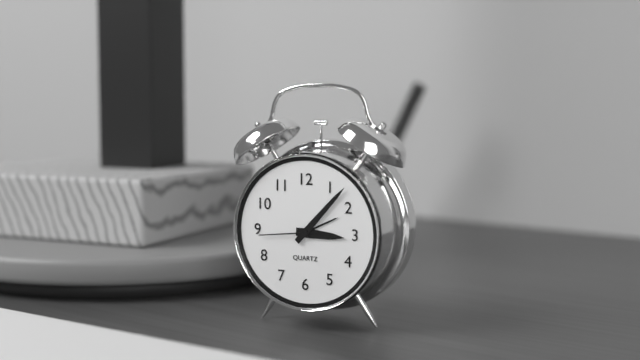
3:07:44
